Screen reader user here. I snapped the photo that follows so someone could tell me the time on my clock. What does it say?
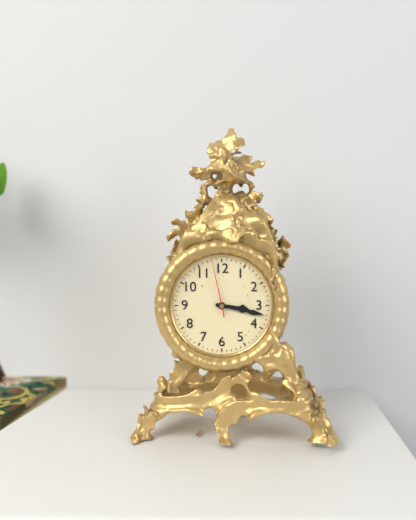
3:17:58
